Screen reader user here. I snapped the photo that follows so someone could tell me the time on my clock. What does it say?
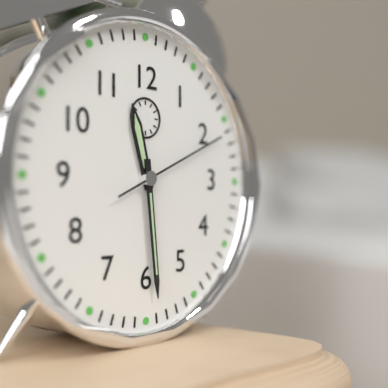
11:29:11
